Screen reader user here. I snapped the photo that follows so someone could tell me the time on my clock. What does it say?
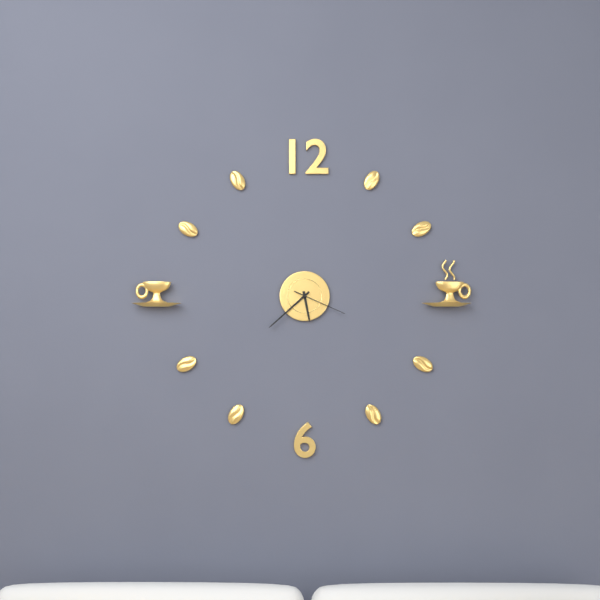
5:38:19
